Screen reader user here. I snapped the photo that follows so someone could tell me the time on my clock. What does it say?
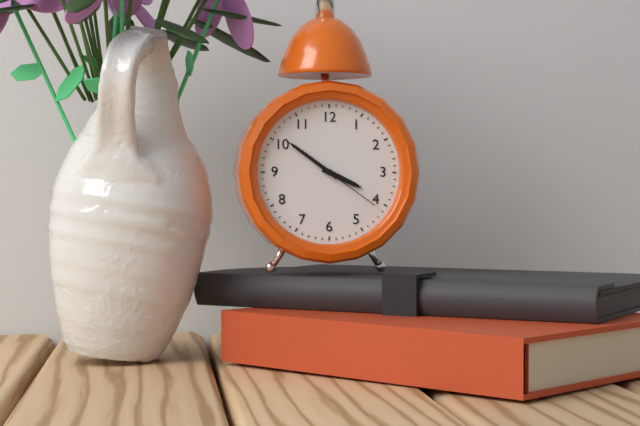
3:51:21
